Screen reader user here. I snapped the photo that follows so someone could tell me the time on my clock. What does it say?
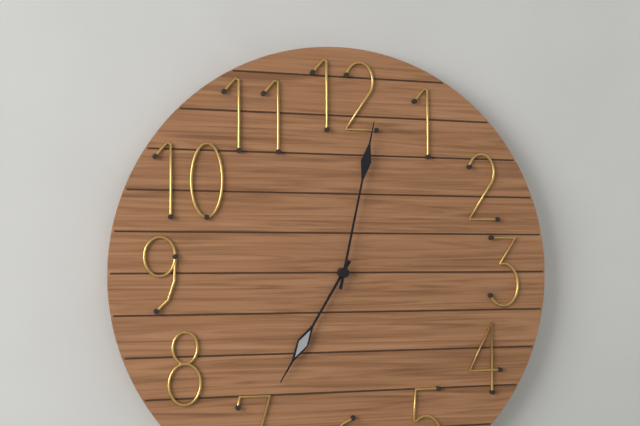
7:02
